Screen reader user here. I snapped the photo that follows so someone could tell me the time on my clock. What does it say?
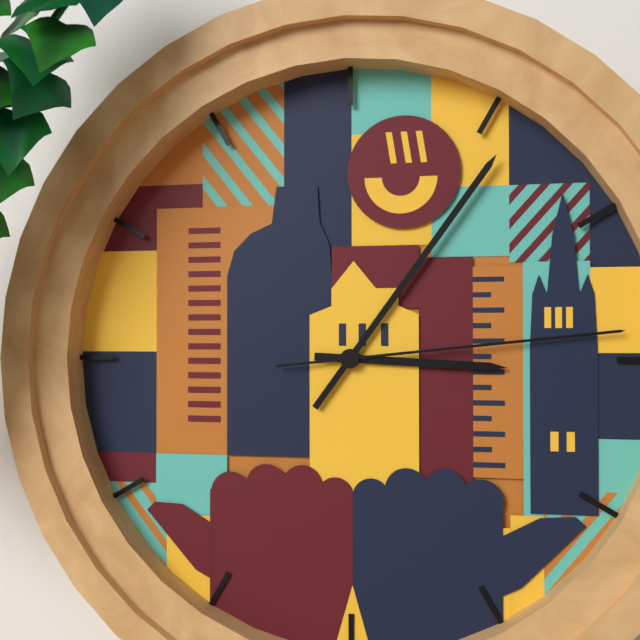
3:06:14
